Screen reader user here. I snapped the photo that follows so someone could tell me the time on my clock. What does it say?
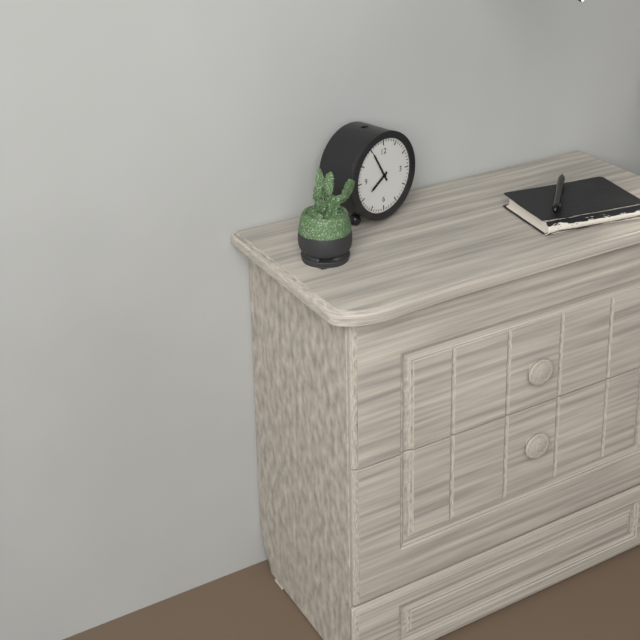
7:55
